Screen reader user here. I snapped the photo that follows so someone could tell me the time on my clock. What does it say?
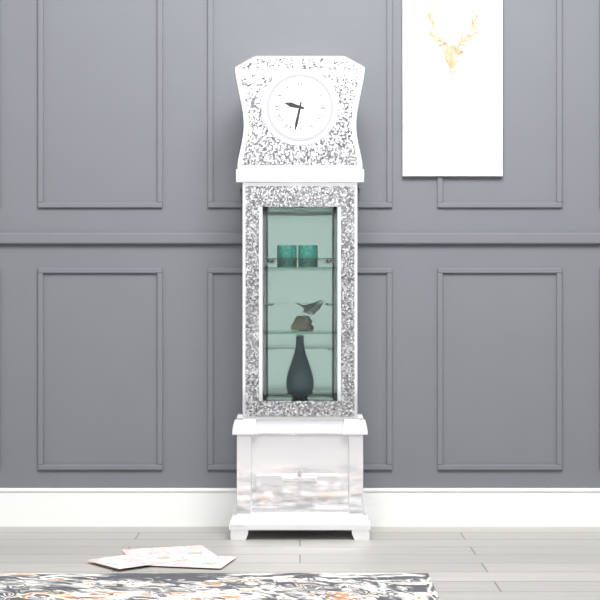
9:32
